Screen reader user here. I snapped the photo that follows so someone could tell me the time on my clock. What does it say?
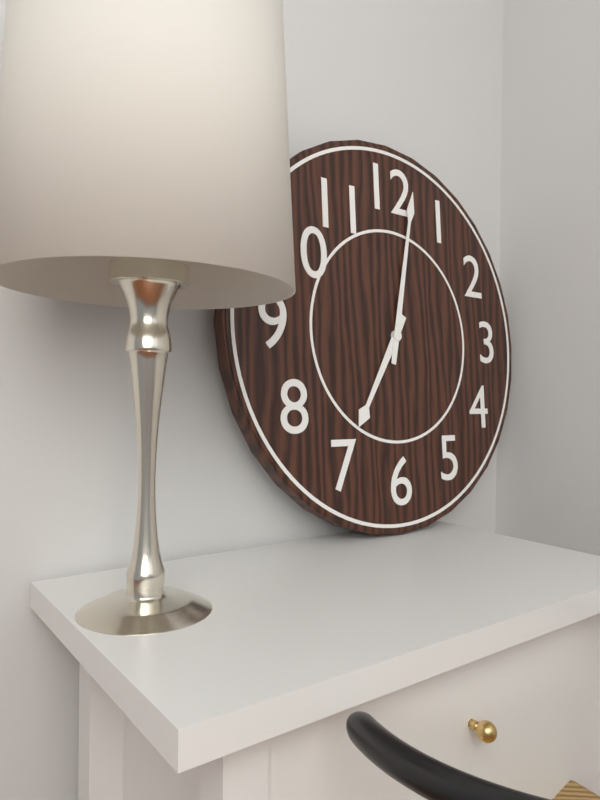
7:02
